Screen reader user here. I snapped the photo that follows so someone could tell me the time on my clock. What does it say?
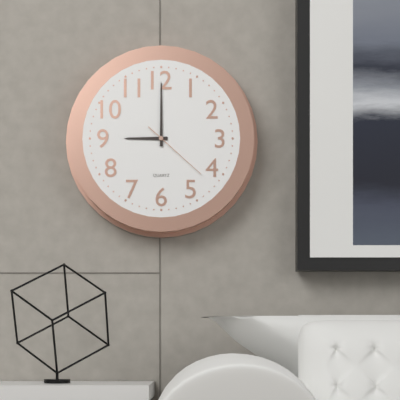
9:00:22
